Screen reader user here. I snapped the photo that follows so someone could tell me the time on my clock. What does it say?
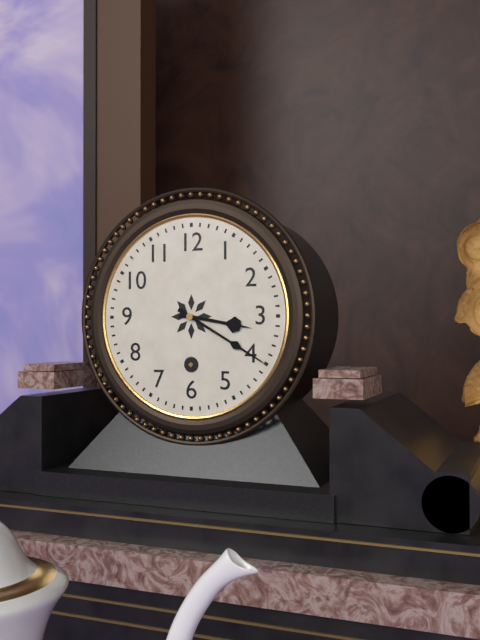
3:20
